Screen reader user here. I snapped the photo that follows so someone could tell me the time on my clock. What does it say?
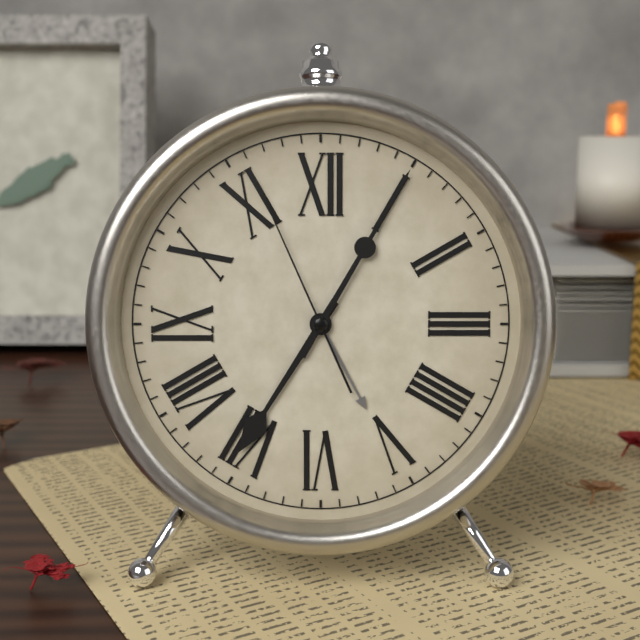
7:05:56
